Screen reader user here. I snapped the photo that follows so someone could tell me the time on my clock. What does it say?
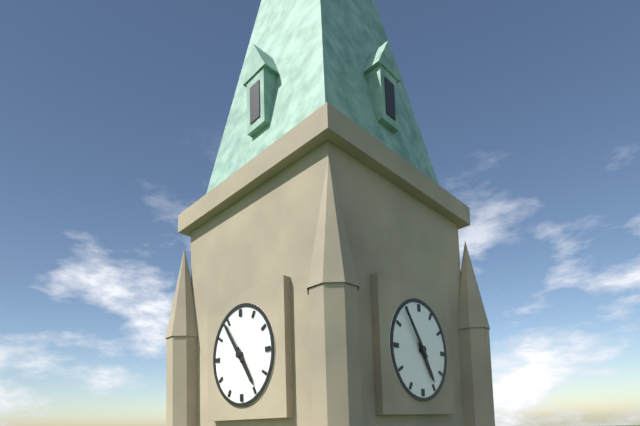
4:54
